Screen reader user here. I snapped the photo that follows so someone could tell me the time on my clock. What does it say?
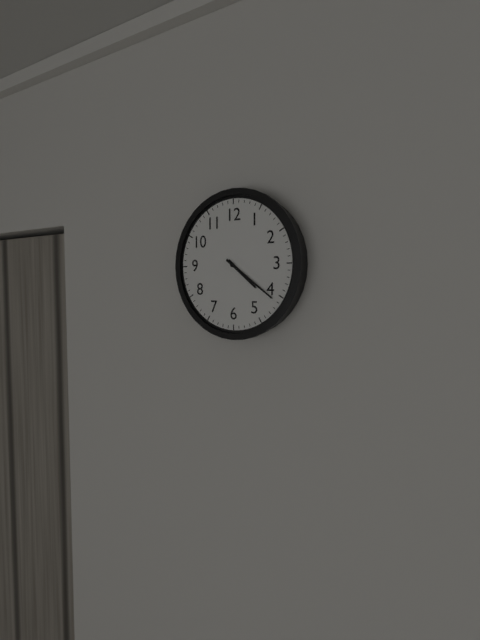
4:21
